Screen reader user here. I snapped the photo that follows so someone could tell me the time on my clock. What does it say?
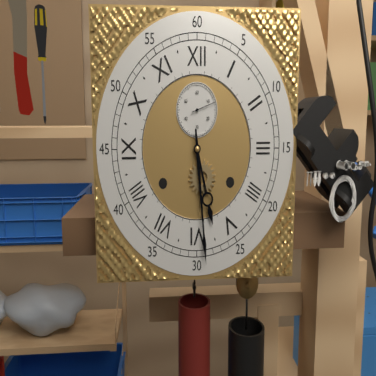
5:29
